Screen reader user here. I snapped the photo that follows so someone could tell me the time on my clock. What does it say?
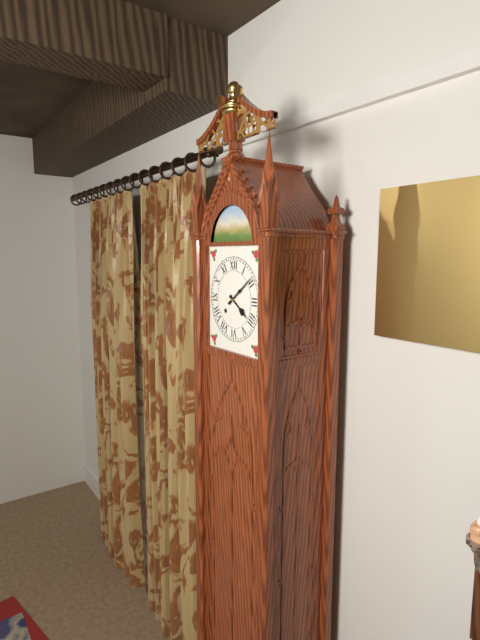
4:09
